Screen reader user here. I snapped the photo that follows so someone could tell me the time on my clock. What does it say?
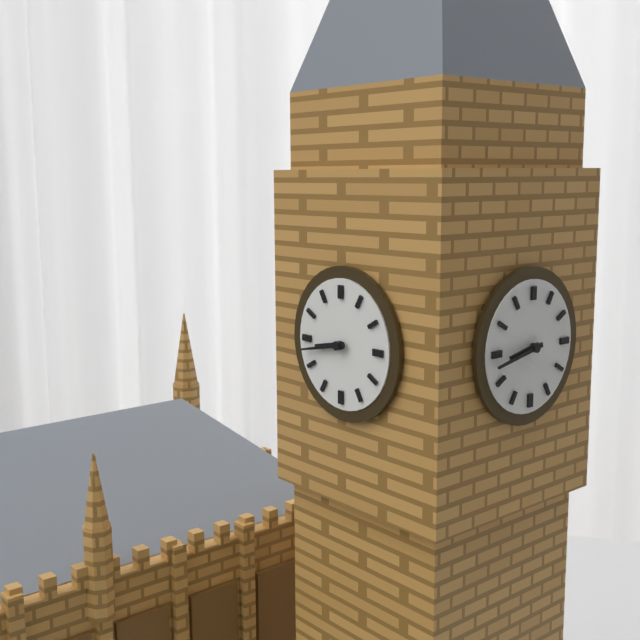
8:43
